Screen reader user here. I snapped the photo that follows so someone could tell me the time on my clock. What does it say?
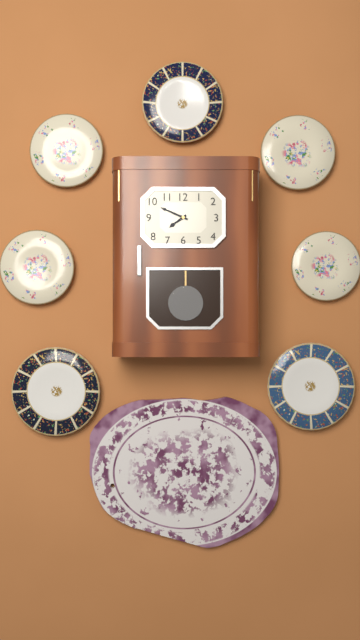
7:49
